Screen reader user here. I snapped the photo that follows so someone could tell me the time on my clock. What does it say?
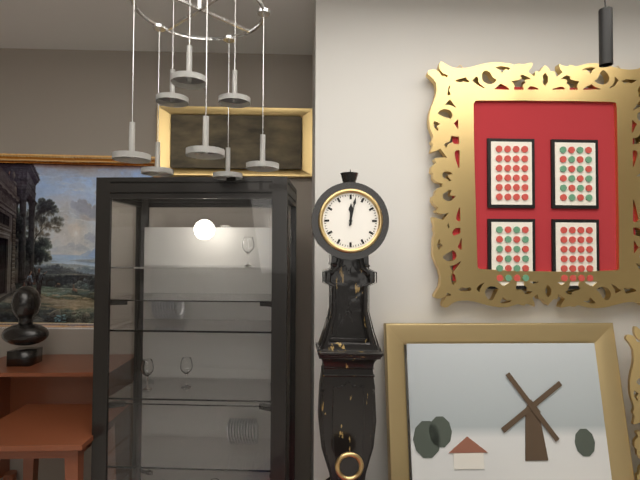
12:02
